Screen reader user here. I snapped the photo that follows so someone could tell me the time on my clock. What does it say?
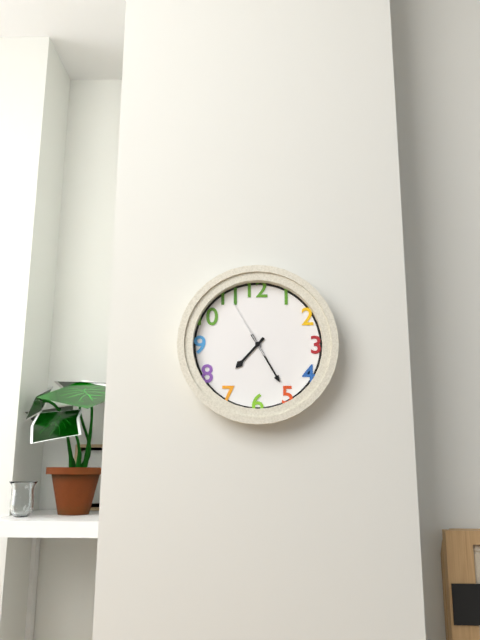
7:25:55
